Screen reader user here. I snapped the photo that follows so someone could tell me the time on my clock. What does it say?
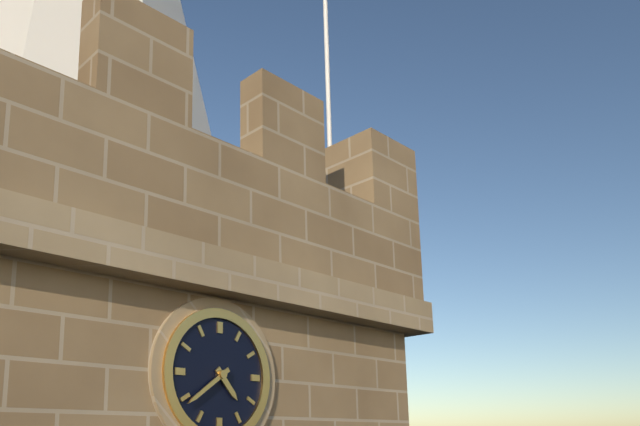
4:39
